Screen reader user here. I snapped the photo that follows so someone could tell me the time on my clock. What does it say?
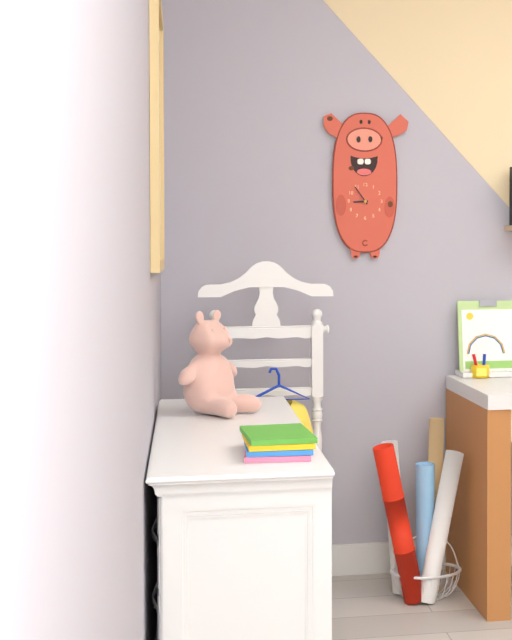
8:54
